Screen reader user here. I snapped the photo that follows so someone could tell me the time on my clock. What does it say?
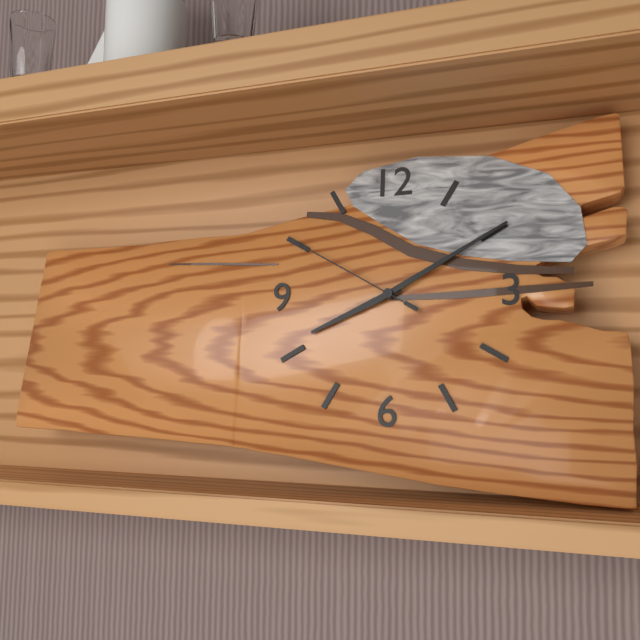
8:10:50
